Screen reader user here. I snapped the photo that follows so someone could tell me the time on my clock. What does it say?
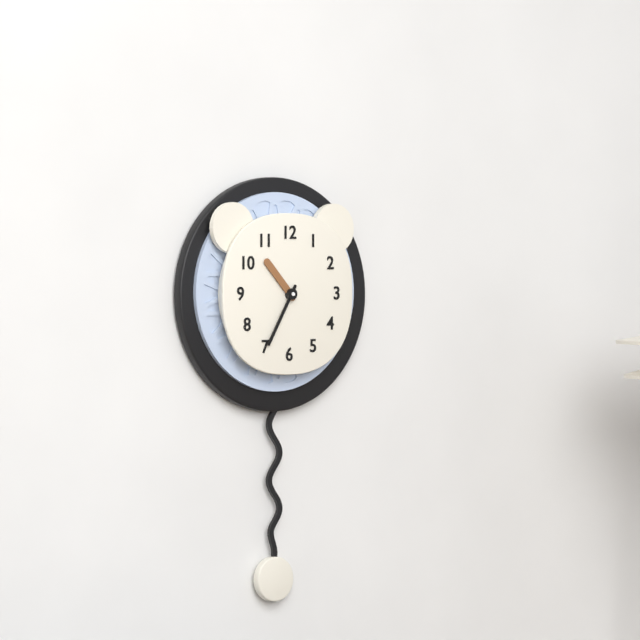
10:35
